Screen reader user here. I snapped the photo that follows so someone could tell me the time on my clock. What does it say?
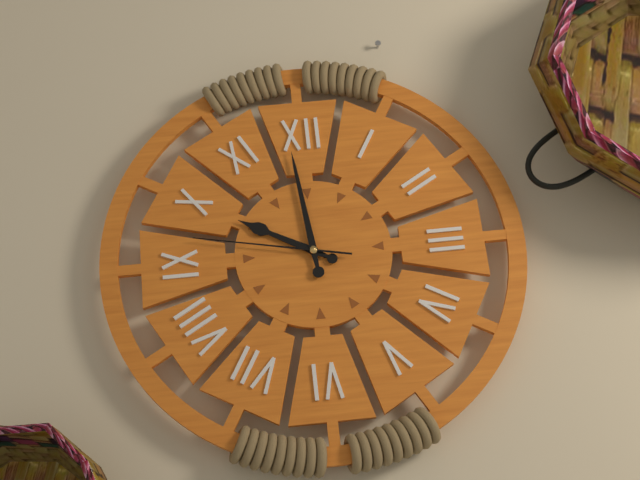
9:59:47
